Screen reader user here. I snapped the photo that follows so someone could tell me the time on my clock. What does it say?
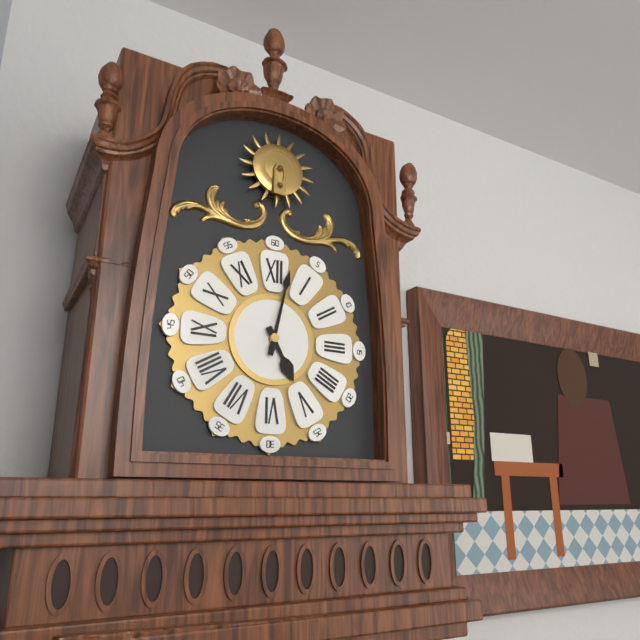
5:02
